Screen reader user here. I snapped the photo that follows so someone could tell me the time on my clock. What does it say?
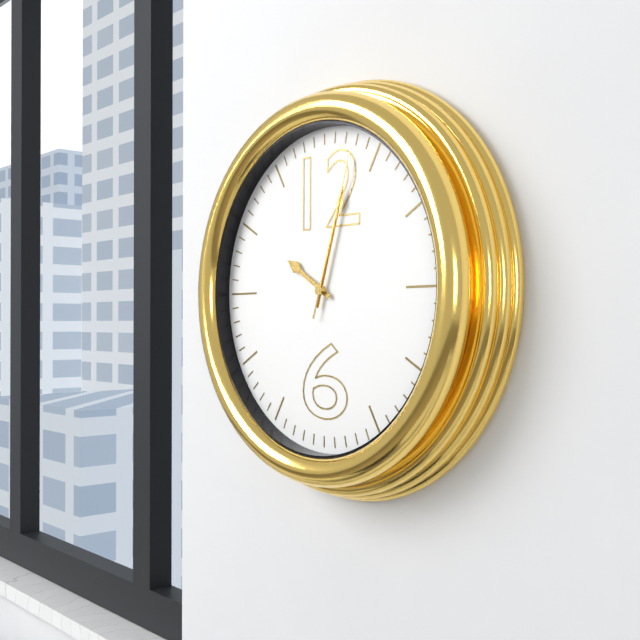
10:03:03
